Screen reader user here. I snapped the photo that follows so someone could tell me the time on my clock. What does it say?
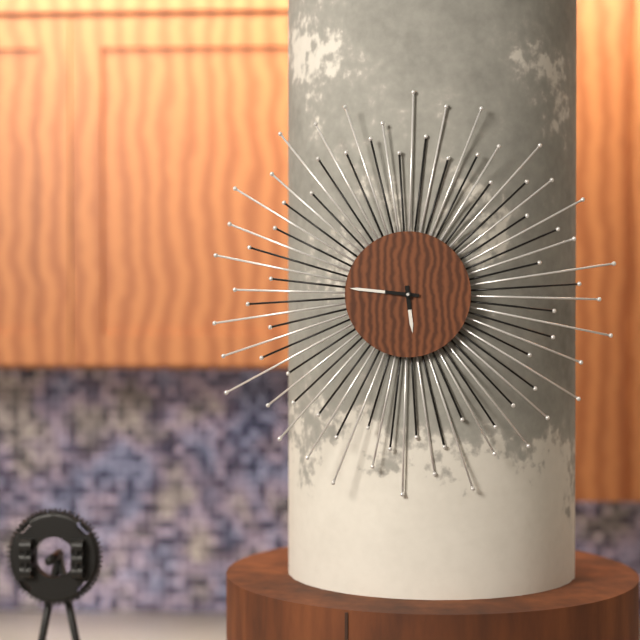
5:46
